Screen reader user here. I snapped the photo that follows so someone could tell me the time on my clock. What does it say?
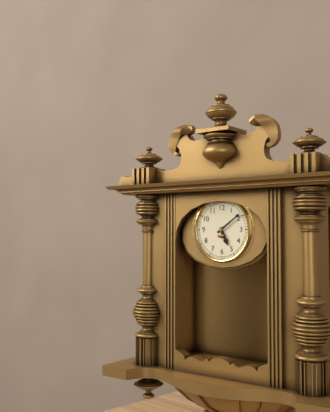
5:09
